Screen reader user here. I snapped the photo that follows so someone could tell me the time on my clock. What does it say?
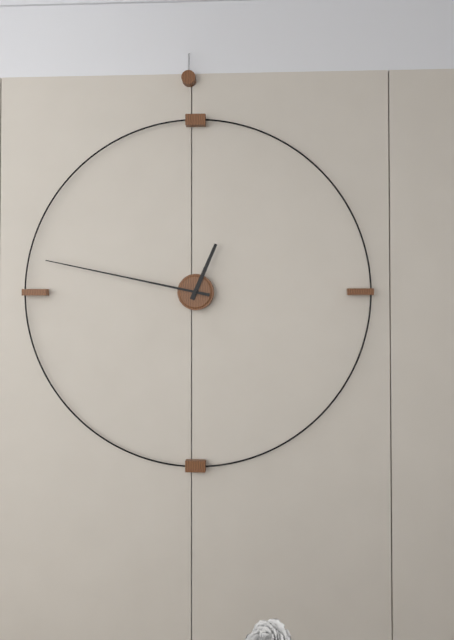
12:47
